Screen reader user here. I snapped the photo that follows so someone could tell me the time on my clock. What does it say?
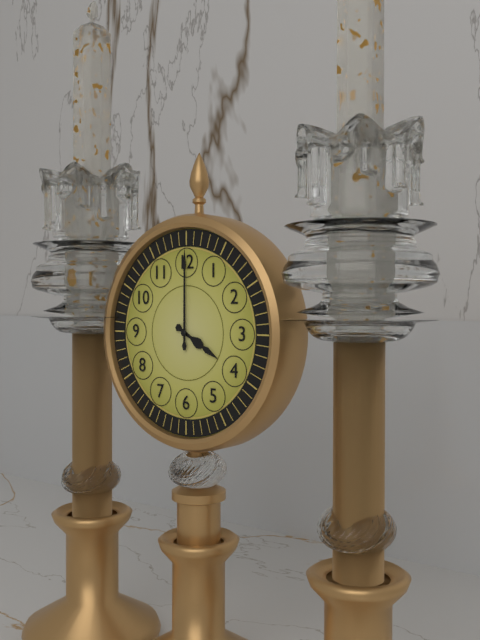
4:00
